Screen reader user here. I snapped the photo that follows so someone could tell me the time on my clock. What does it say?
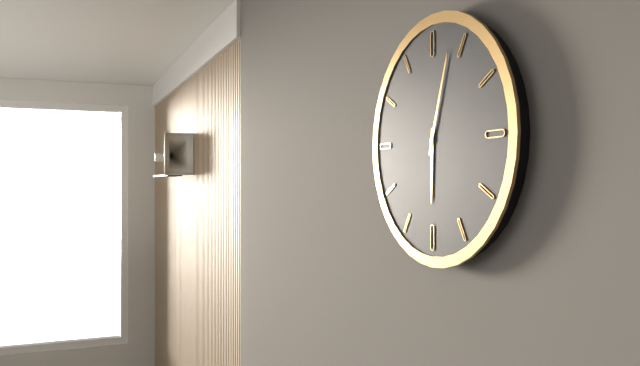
6:03
